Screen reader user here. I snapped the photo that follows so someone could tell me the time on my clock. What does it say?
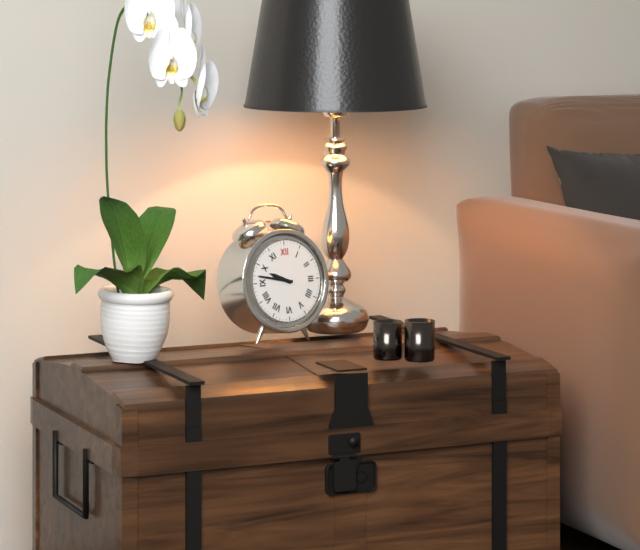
9:47
